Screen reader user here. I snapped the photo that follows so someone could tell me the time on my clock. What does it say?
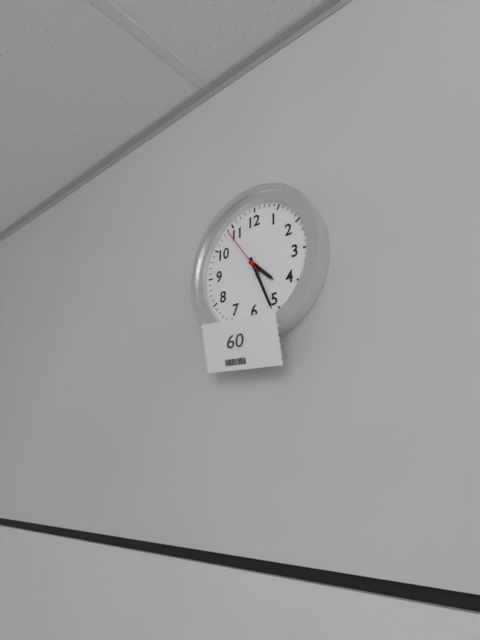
4:26:54
